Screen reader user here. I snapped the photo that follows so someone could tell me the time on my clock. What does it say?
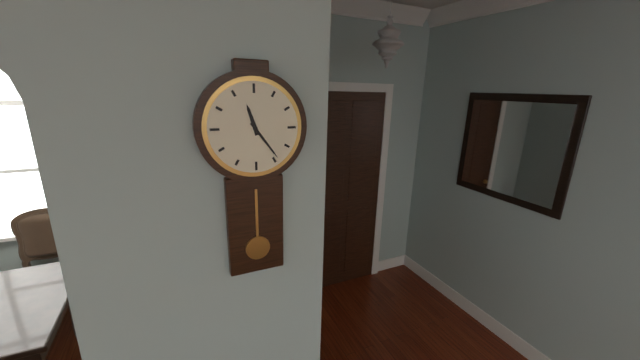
11:24
